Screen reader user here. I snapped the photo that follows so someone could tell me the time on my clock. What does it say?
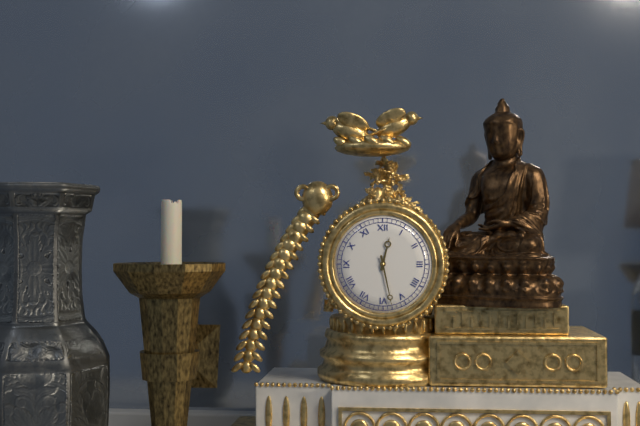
12:28
